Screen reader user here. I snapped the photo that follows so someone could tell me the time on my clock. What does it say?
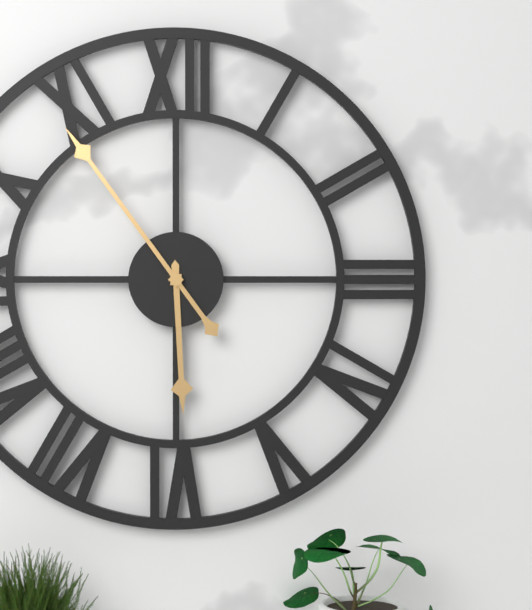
5:54
